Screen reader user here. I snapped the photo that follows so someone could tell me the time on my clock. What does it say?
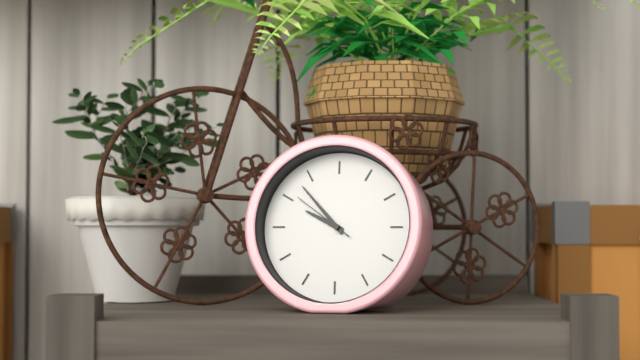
9:53:51
